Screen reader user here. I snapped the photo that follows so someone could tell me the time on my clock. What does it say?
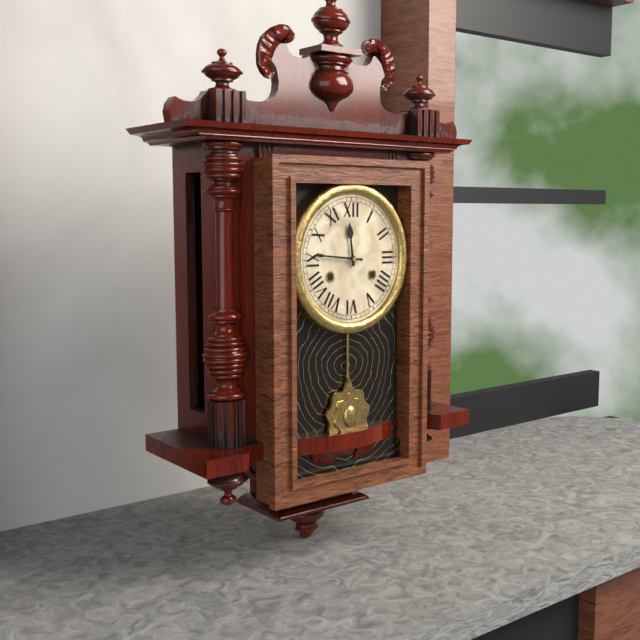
11:46
